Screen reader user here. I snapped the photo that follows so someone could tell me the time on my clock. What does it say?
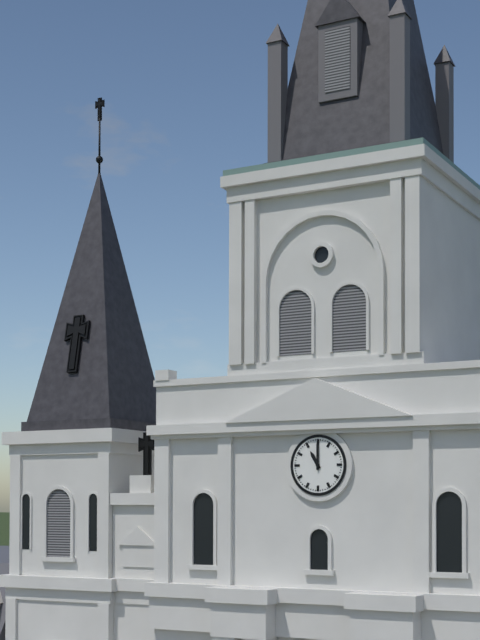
11:00
